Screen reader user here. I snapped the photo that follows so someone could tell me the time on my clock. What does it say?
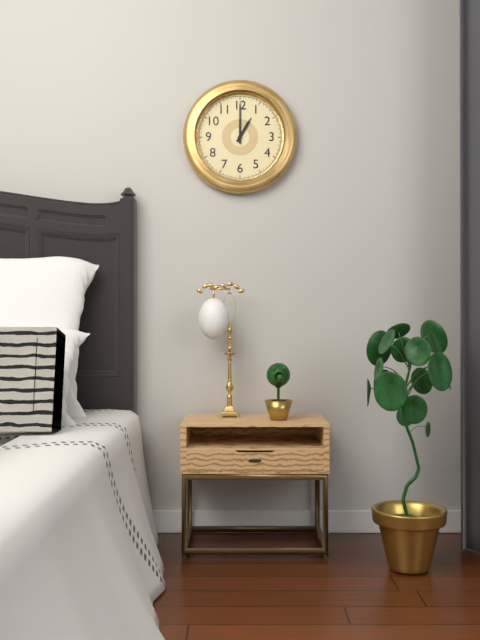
1:00
